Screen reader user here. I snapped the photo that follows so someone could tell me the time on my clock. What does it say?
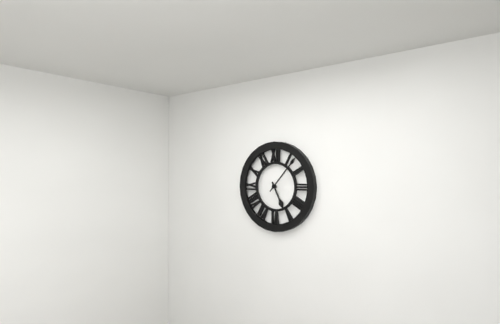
5:07
